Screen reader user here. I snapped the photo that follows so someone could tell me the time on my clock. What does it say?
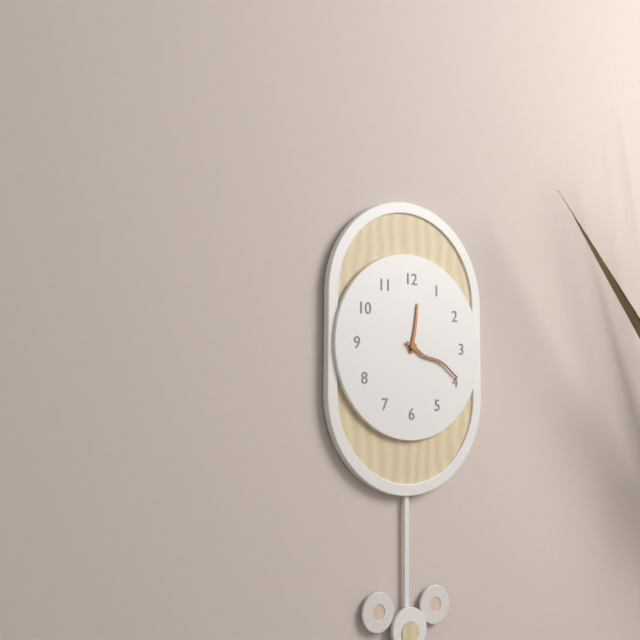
12:19
